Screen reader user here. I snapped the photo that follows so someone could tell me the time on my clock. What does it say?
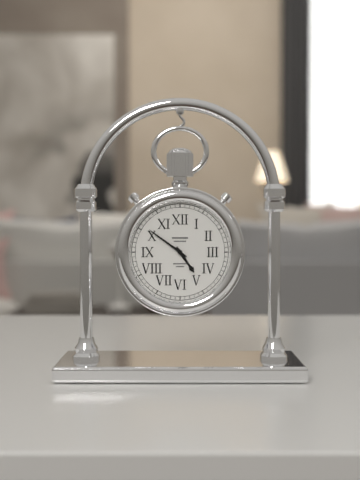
4:51
